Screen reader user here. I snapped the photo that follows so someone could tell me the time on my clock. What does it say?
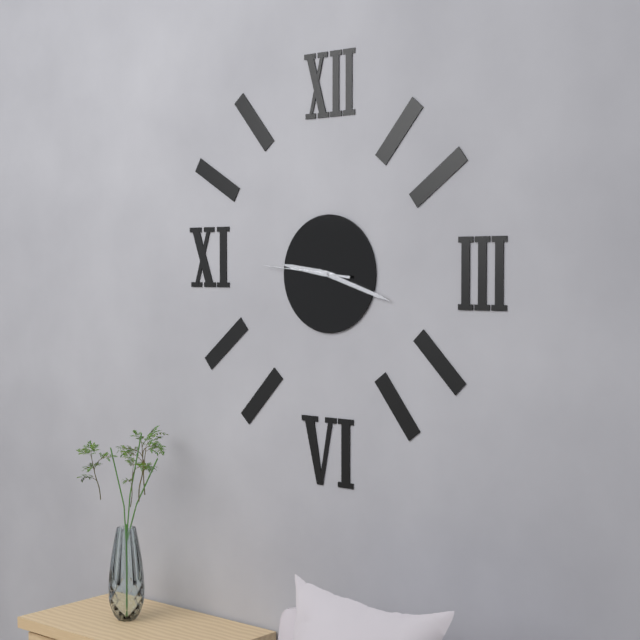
9:18:46
